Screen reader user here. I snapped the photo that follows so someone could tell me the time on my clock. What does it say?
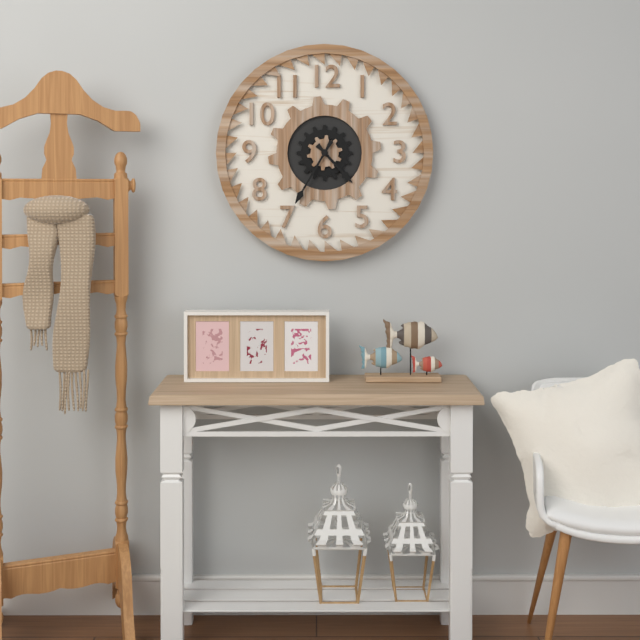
4:35
